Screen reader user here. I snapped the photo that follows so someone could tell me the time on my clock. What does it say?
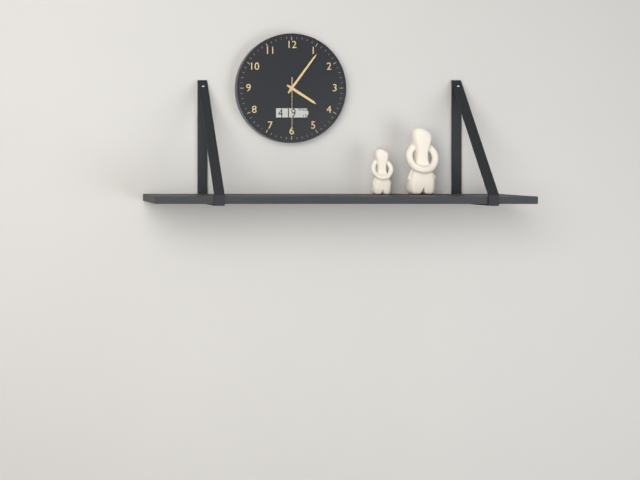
4:06:30
